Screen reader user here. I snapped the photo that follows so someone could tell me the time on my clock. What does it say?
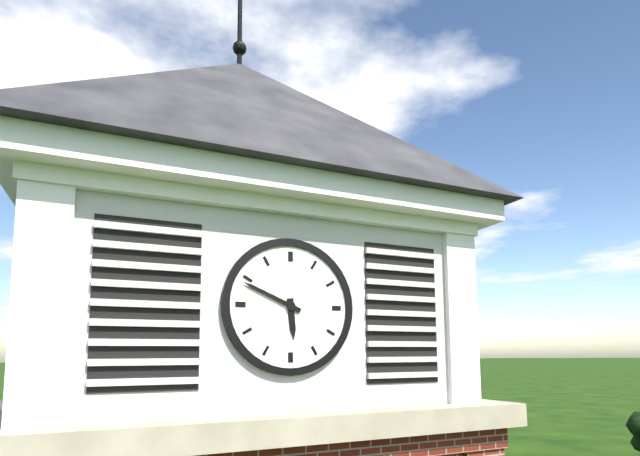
5:49
